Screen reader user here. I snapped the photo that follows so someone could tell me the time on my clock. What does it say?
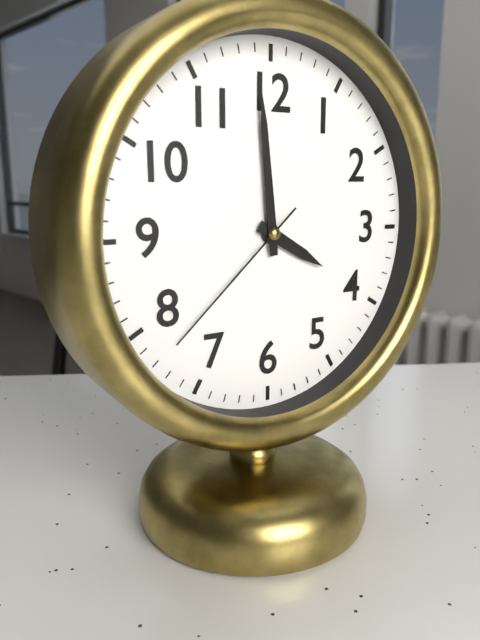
3:59:38
